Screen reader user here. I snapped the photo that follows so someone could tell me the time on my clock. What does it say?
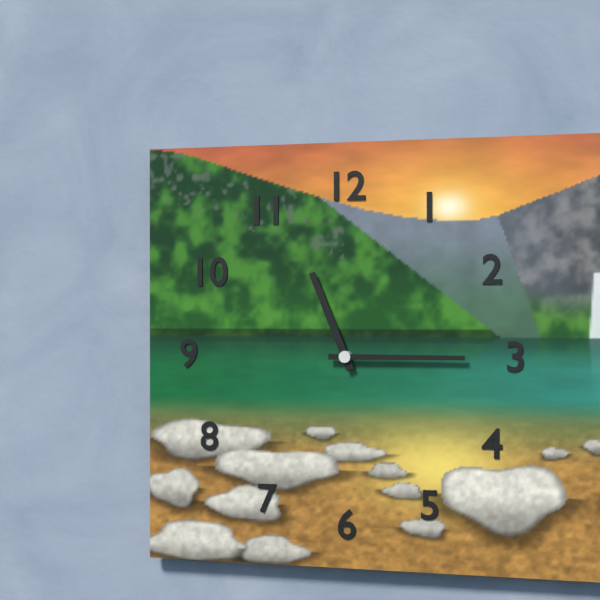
11:15
